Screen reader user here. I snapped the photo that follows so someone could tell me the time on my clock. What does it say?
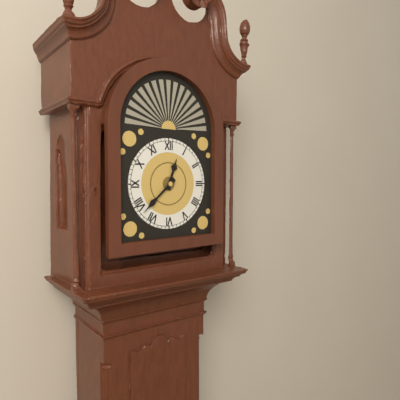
12:38
